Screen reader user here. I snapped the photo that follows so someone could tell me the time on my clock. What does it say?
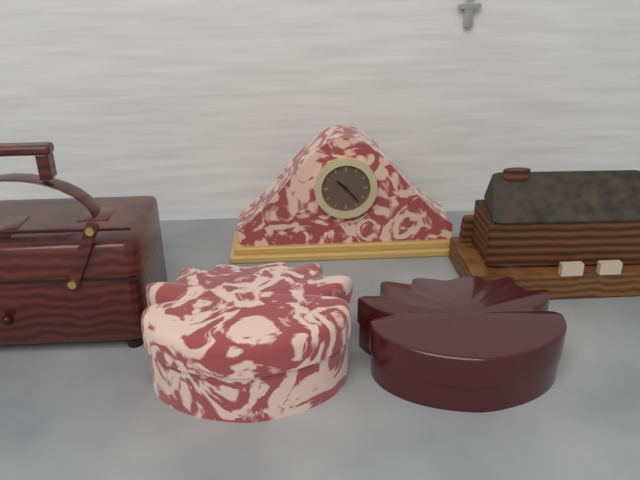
10:23
